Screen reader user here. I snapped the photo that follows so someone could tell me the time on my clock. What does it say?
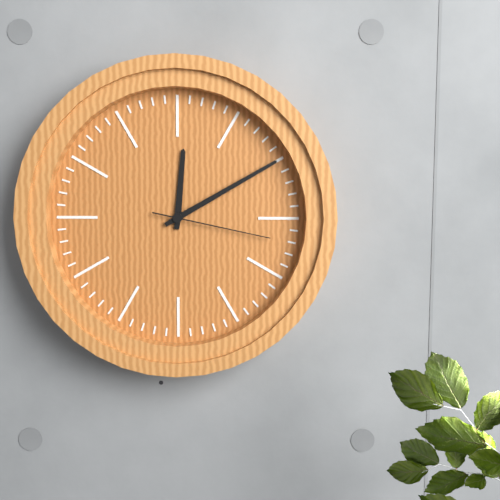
12:10:17
